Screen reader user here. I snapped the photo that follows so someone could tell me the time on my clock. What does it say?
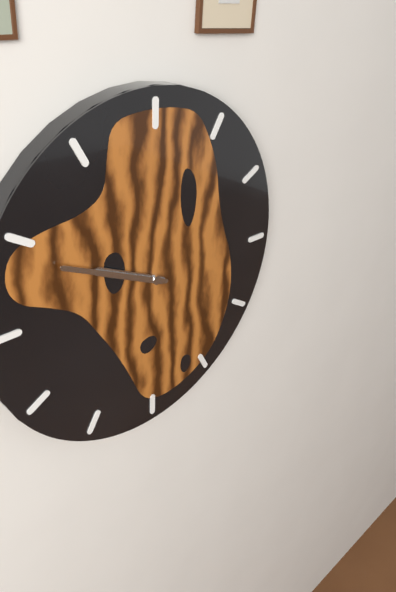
9:49
